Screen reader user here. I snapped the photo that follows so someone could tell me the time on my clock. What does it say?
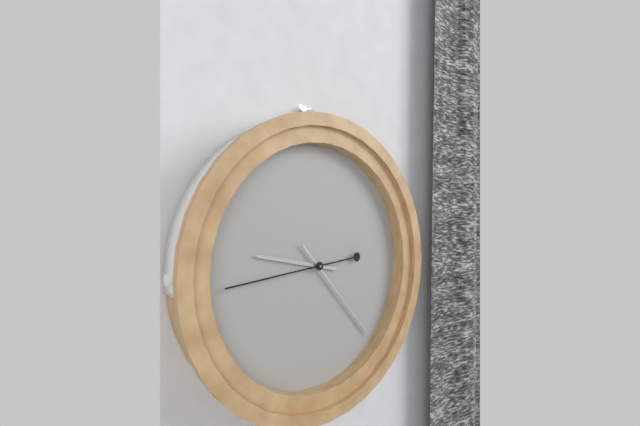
9:23:44
